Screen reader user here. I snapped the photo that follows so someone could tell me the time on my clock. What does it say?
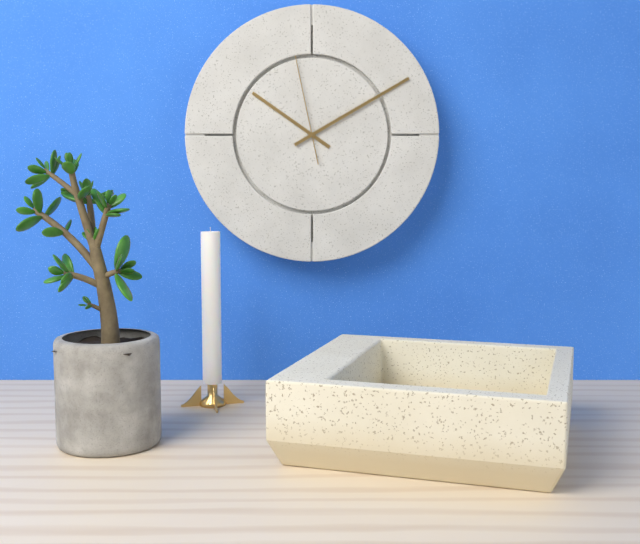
10:10:58
